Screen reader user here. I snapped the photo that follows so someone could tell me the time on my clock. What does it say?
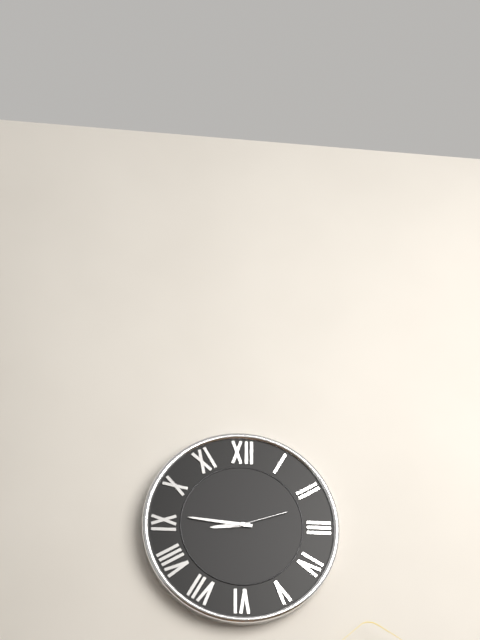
8:46:12
